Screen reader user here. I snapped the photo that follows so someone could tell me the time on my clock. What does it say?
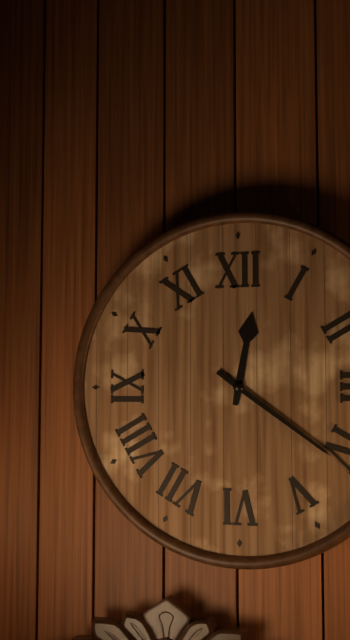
12:21
